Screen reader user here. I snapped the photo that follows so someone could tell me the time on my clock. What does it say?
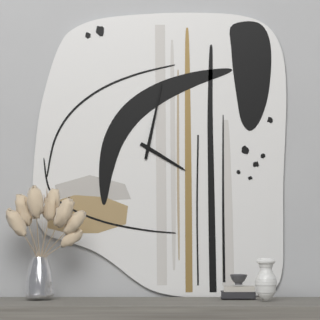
4:02
